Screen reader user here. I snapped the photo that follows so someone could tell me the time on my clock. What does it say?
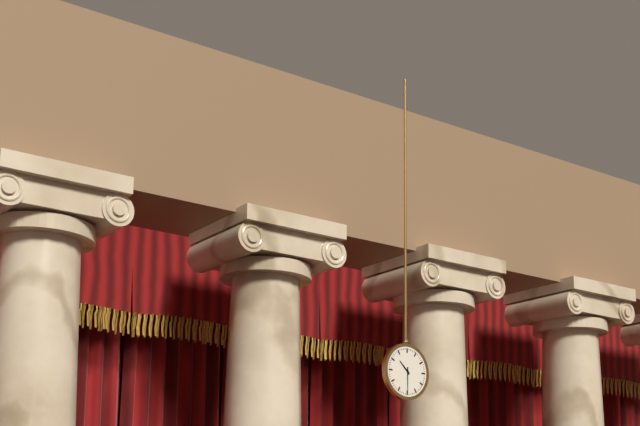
10:30
